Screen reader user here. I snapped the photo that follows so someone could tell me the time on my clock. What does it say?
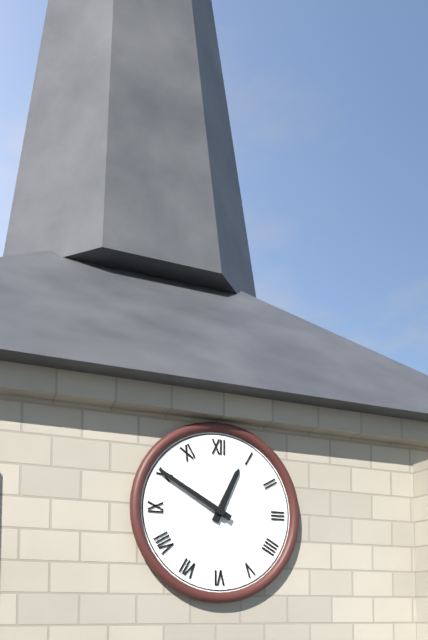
12:50
